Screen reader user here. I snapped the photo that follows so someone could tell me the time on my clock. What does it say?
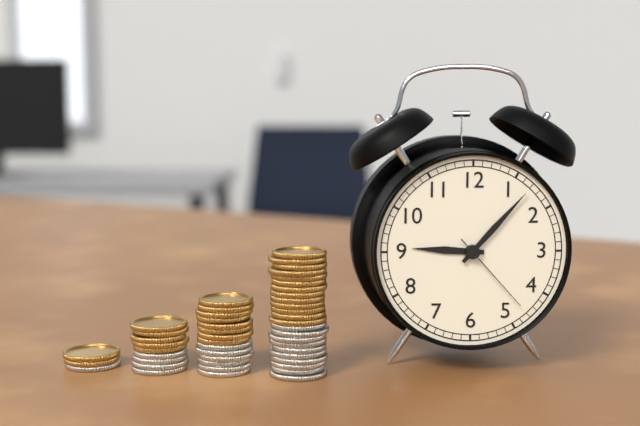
9:07:23
